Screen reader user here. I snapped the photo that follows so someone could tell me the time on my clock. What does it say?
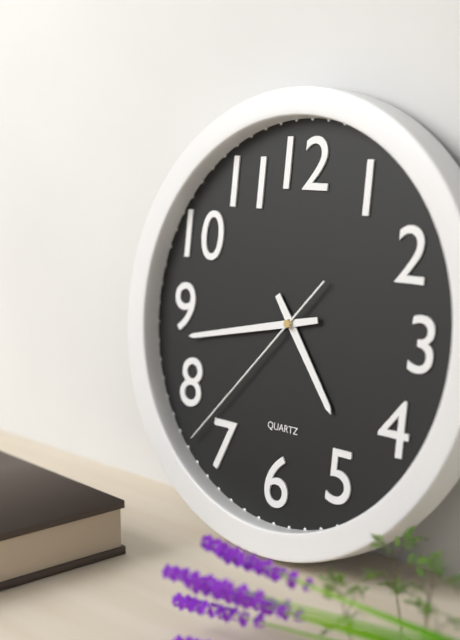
4:43:37
